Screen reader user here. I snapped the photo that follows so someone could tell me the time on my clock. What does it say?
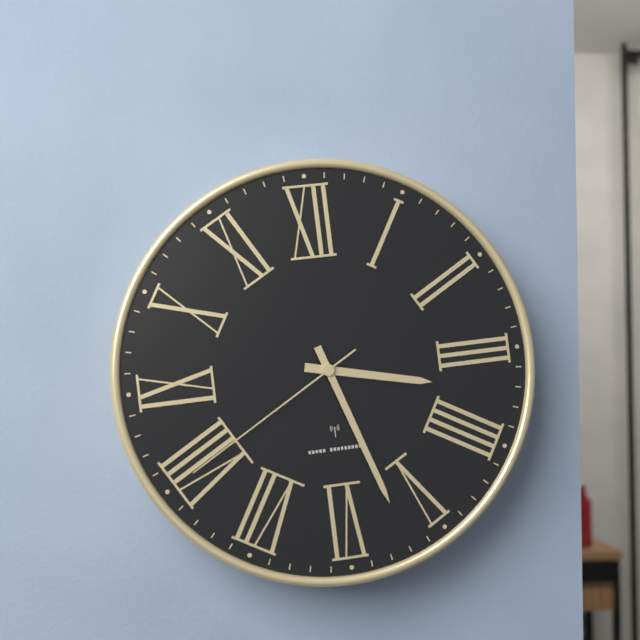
3:27:40
